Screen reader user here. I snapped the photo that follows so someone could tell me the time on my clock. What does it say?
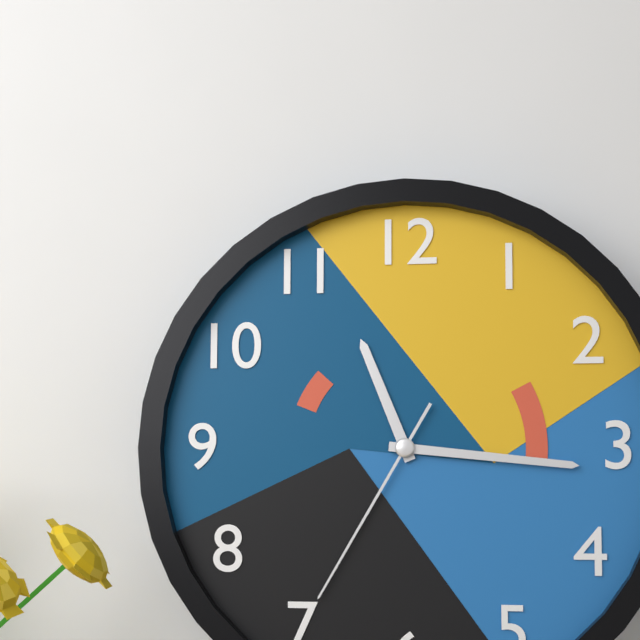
11:16:35
